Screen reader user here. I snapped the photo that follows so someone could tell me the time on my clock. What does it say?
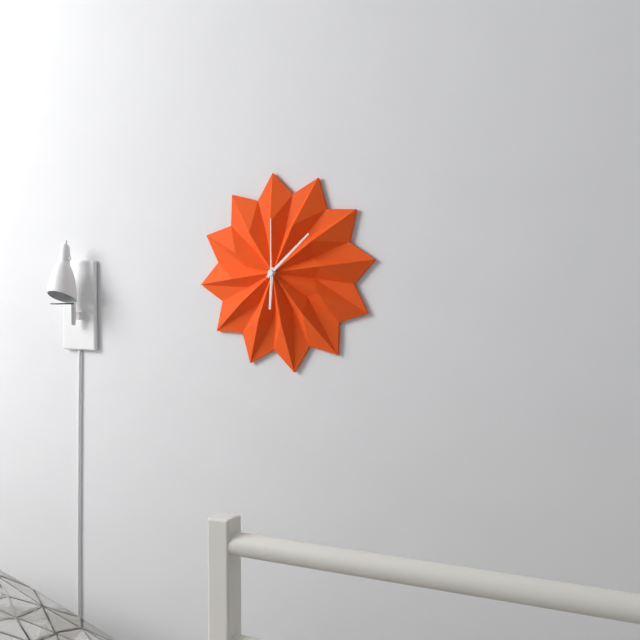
6:08:00
